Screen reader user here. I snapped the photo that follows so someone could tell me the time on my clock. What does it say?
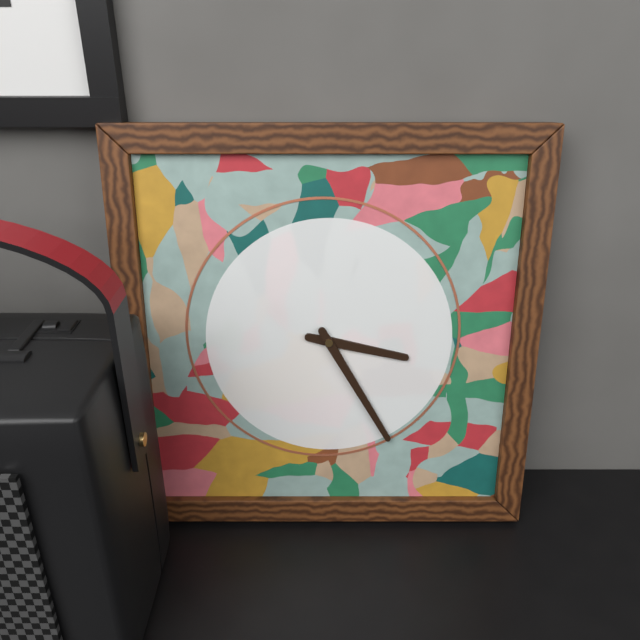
3:25
